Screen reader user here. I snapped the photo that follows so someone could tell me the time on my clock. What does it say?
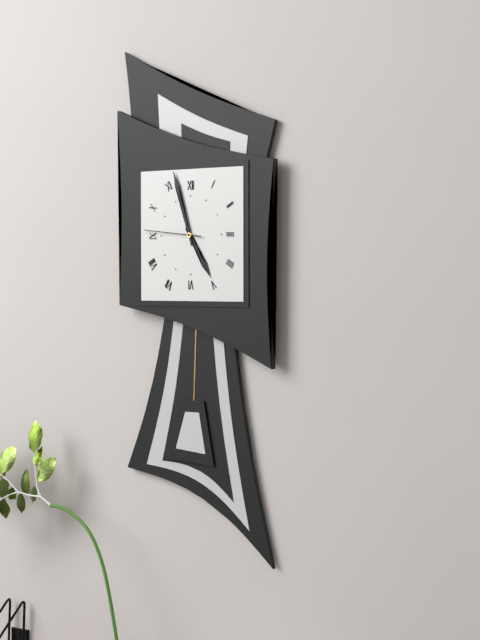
4:57:46
